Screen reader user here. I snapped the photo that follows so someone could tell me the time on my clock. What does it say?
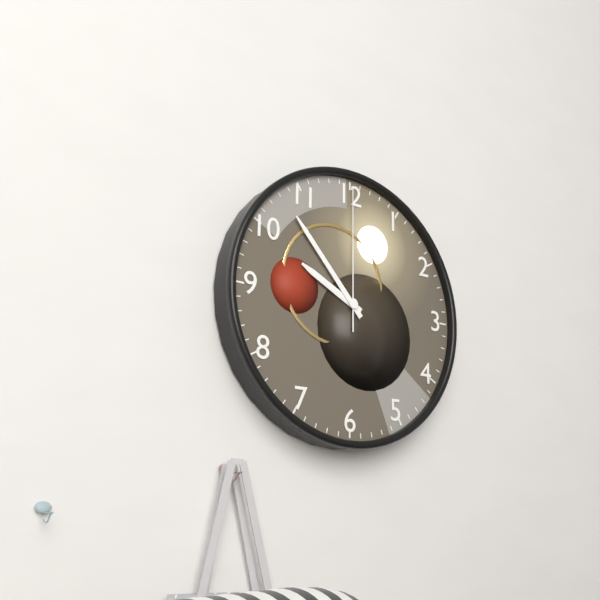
9:53:00
